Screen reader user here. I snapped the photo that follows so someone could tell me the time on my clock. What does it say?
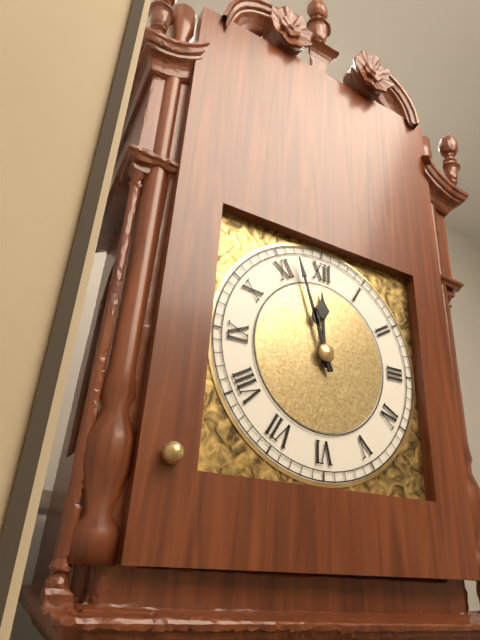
11:57
